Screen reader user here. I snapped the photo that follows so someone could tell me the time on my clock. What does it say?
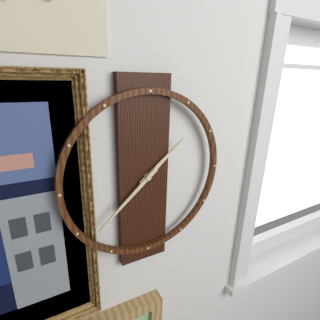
1:38
